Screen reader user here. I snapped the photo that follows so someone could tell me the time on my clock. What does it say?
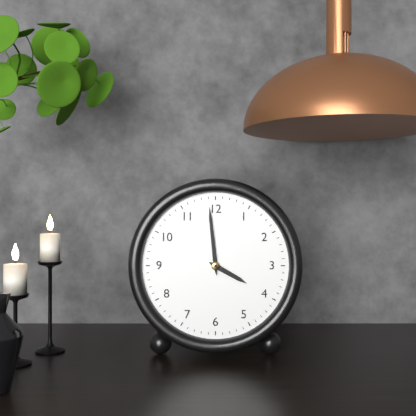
3:59
